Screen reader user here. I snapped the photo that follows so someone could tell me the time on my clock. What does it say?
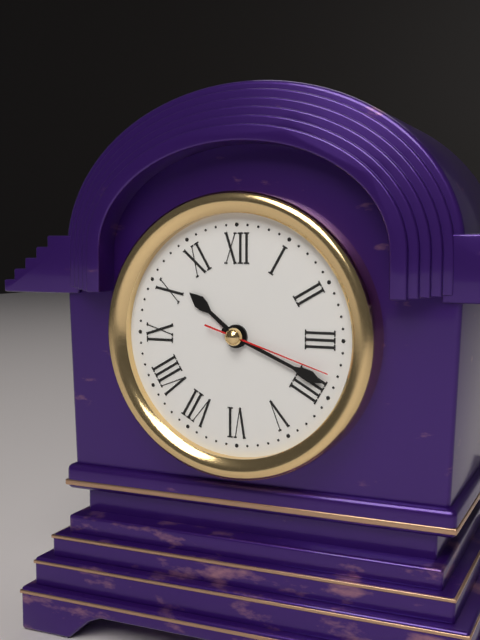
10:19:18
